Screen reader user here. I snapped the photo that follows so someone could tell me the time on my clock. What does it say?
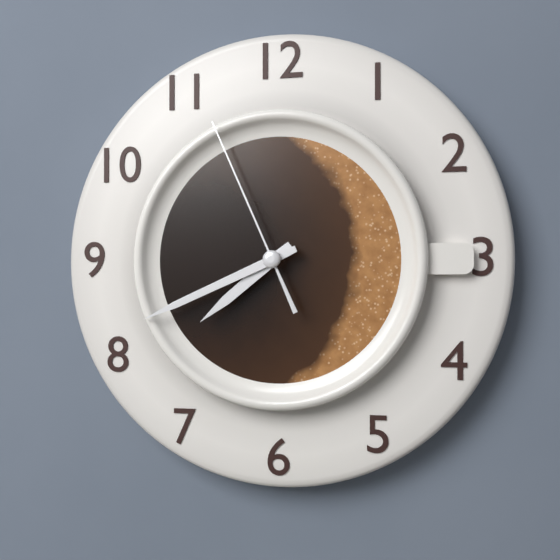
7:41:56
